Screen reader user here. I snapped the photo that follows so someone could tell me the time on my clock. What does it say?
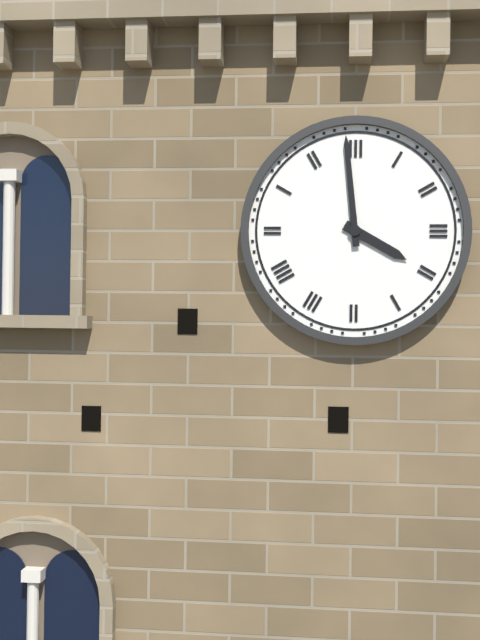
3:59
